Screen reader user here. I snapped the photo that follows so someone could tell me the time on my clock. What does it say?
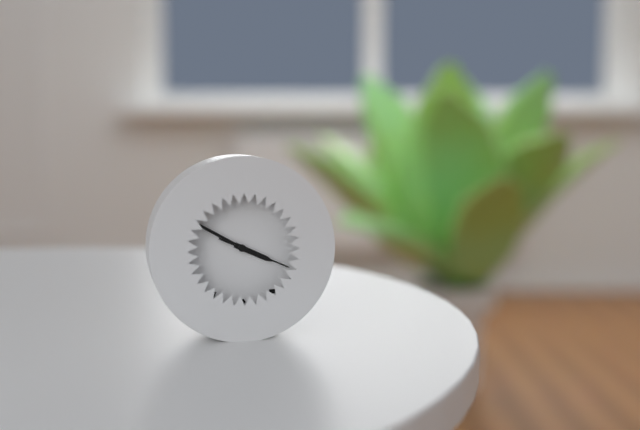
3:50:19
